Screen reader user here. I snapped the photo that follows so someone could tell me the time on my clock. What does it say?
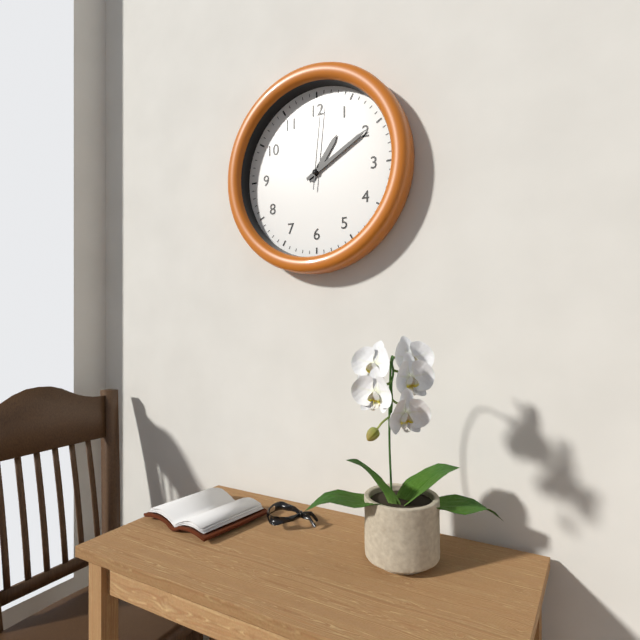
1:10:01
